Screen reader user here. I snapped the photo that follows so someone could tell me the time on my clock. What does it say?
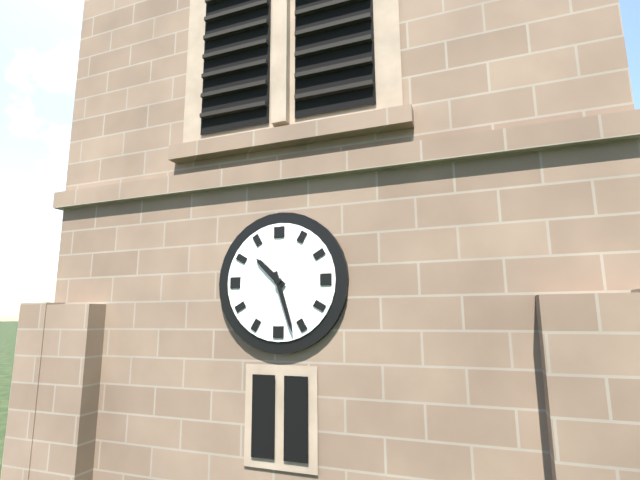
10:27
